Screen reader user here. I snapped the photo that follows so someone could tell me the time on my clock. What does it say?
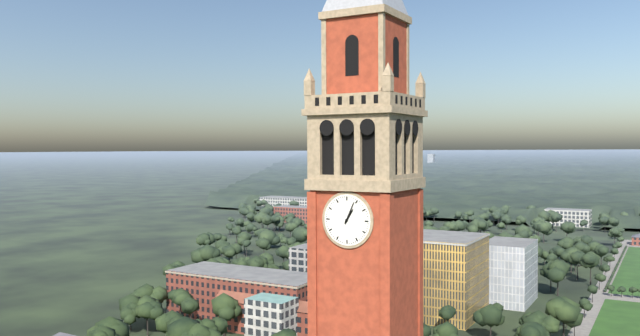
1:04
